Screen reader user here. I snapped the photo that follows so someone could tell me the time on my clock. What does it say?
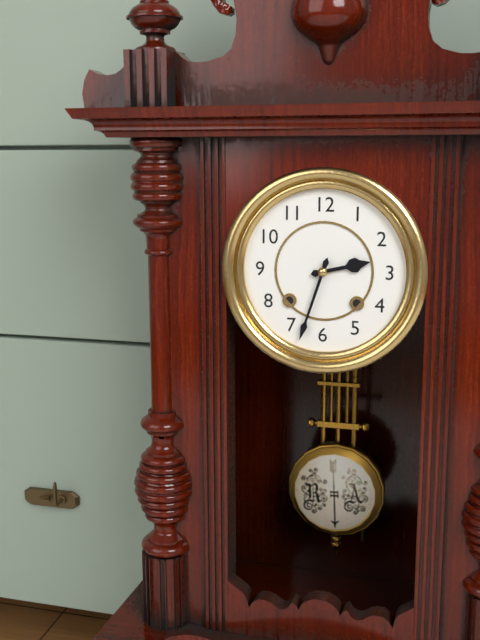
2:33
